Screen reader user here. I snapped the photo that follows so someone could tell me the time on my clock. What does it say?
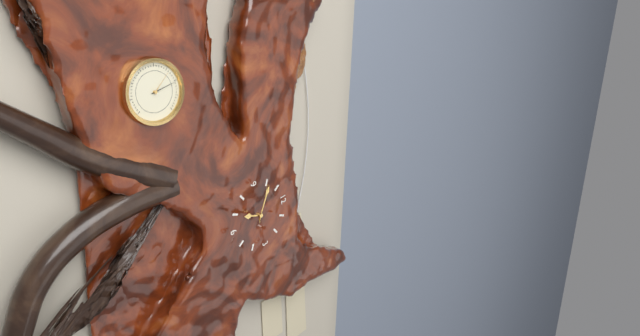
6:51
